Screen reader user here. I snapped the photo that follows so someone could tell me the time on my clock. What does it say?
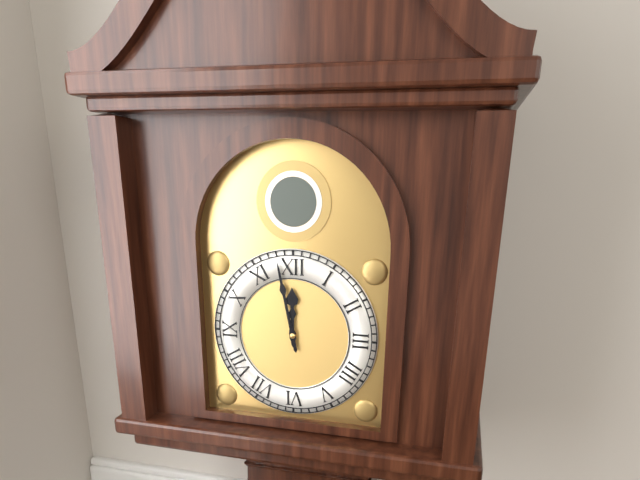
11:58
